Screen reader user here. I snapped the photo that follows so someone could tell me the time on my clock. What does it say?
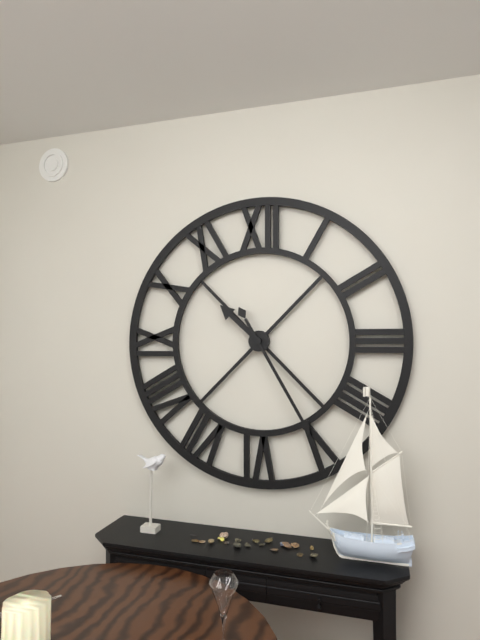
10:25
